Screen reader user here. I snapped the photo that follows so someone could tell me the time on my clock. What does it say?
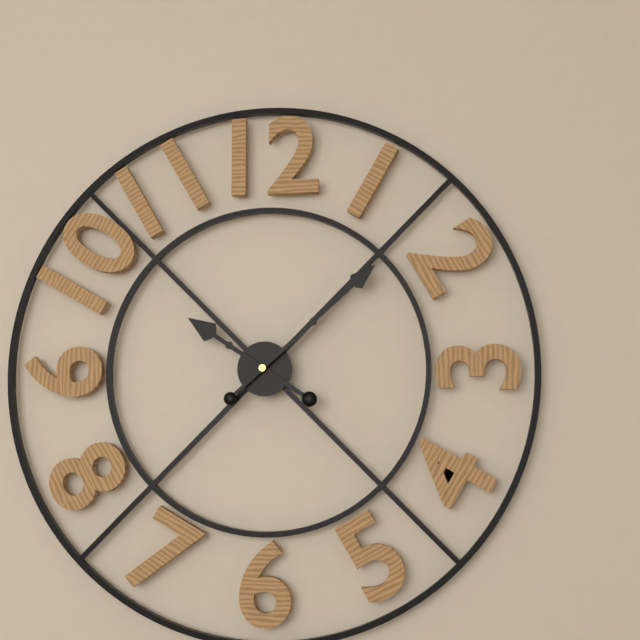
10:08
